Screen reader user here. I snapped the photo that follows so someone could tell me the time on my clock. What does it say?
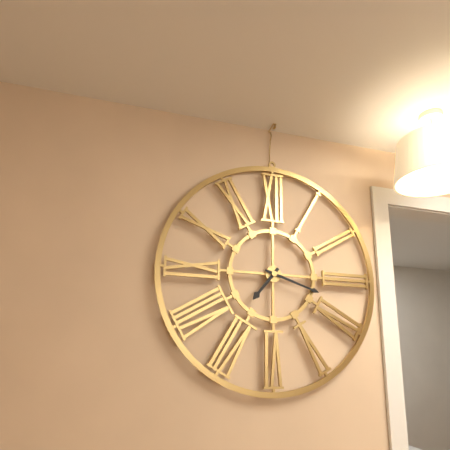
7:18
